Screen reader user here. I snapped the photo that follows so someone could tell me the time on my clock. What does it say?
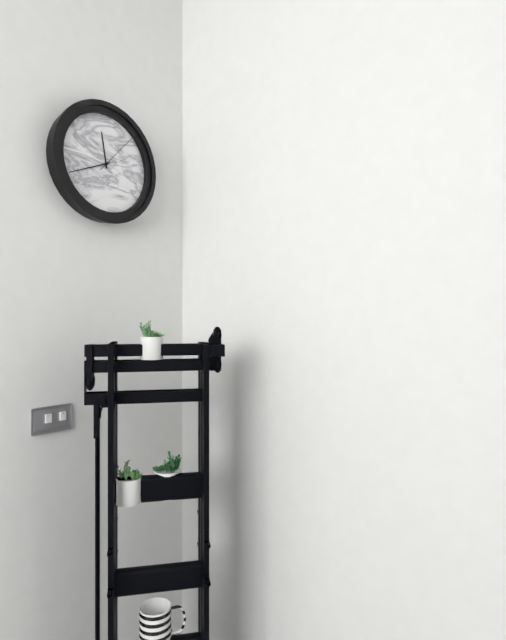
11:41
